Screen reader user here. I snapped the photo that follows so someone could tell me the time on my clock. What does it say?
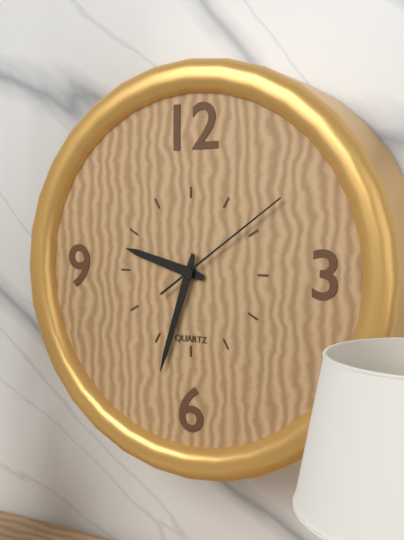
9:33:09
